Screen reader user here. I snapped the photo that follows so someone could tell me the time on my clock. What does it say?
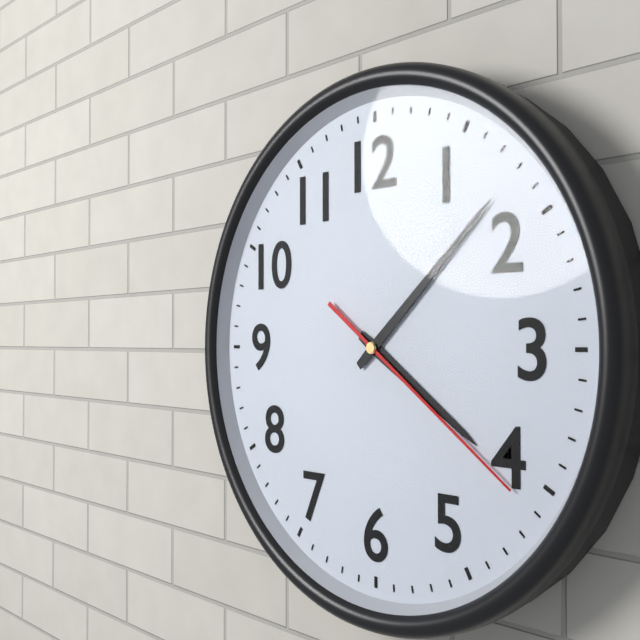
4:08:21
